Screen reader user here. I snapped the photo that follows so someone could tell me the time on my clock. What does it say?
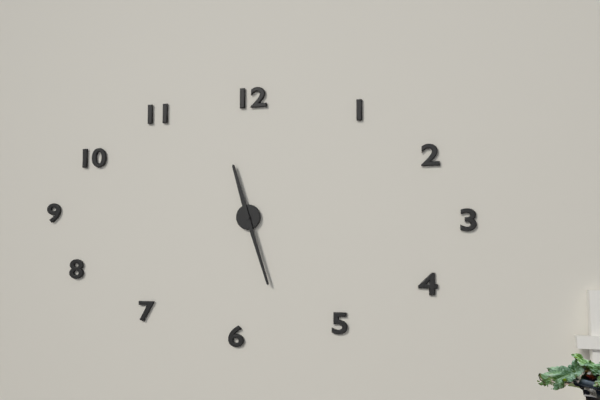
11:27
